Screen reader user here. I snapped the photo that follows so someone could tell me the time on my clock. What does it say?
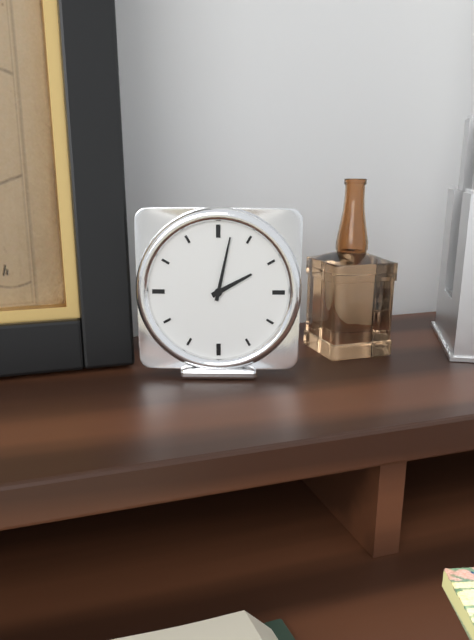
2:02
